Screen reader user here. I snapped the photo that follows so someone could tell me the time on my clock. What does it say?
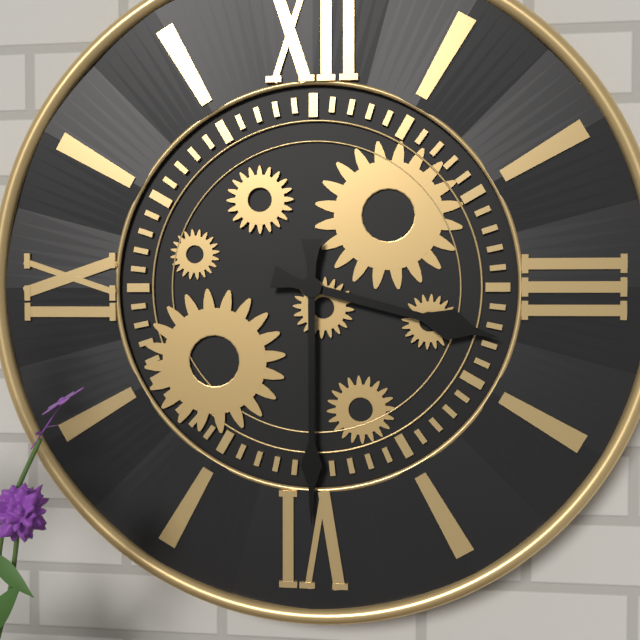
3:30
